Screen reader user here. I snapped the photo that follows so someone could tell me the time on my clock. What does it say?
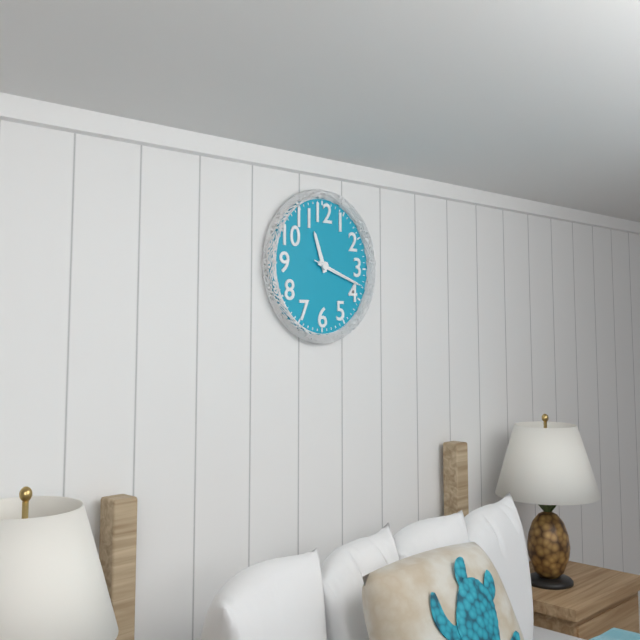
11:18:18
